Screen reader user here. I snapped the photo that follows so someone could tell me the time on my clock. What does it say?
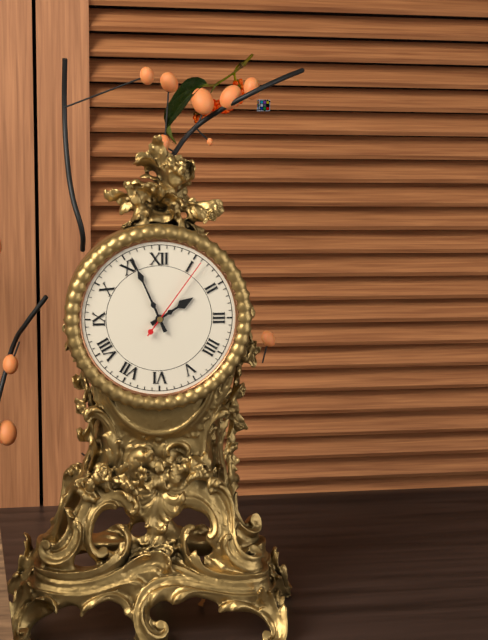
1:56:06
